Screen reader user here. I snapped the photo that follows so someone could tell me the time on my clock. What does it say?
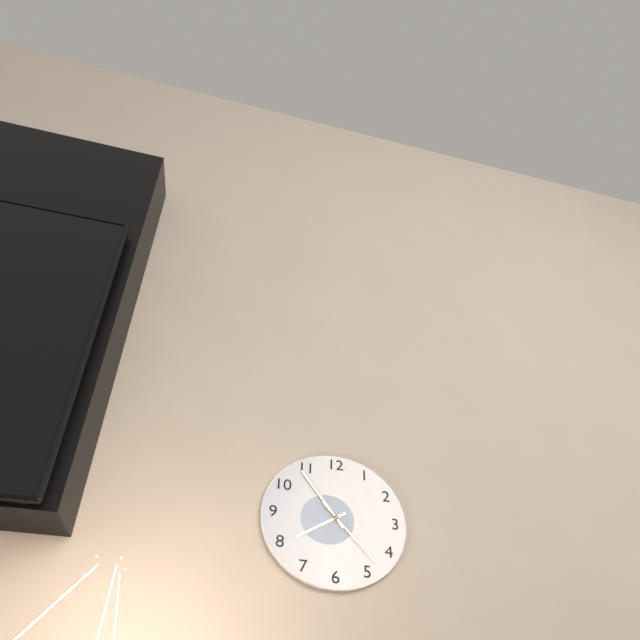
7:54:23
